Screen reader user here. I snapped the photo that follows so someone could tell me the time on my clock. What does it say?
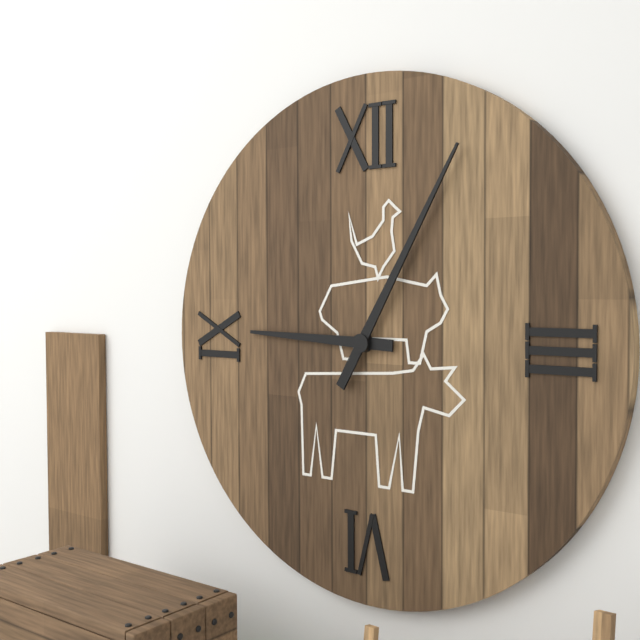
9:05
